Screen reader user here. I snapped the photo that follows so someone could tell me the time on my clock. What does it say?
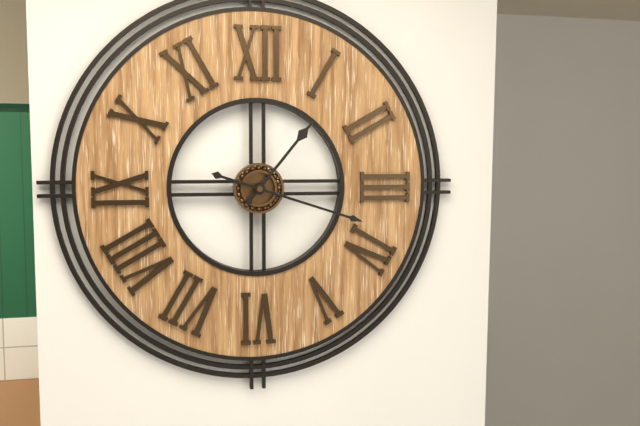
1:18
